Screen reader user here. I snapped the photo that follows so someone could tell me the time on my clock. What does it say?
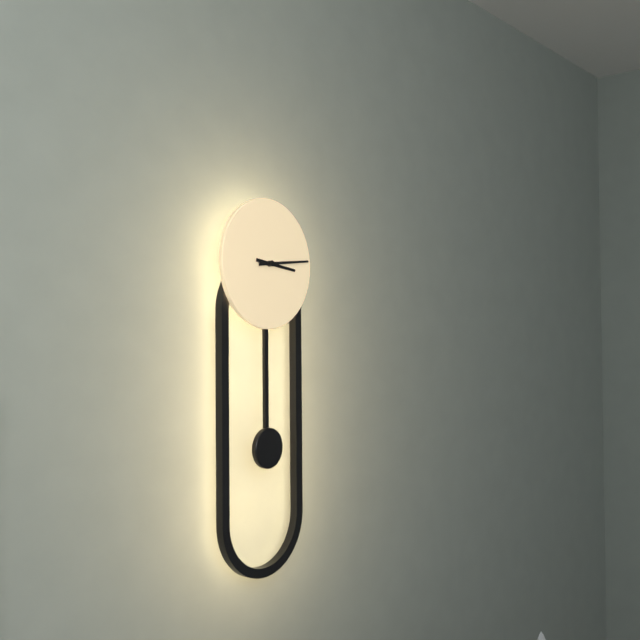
3:14
